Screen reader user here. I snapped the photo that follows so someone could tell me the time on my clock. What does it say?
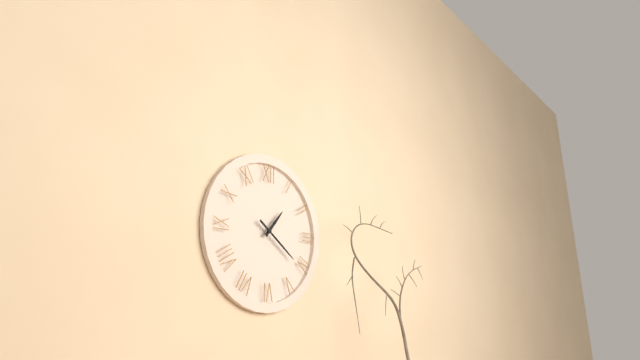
1:21
